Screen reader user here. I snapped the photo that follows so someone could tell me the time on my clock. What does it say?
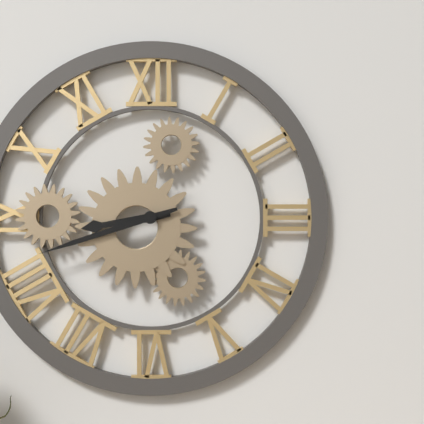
8:42
